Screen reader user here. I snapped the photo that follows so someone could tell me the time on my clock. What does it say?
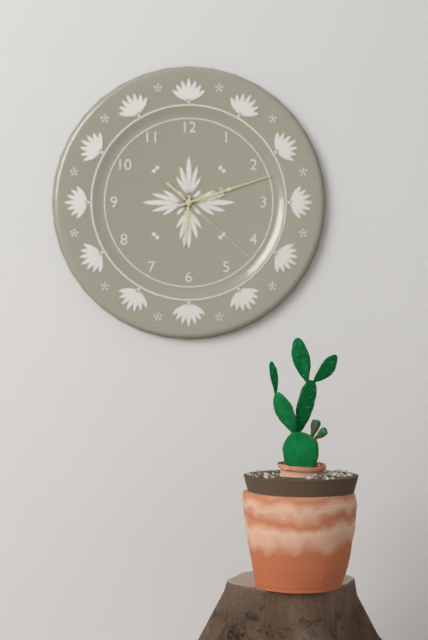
6:12:22
